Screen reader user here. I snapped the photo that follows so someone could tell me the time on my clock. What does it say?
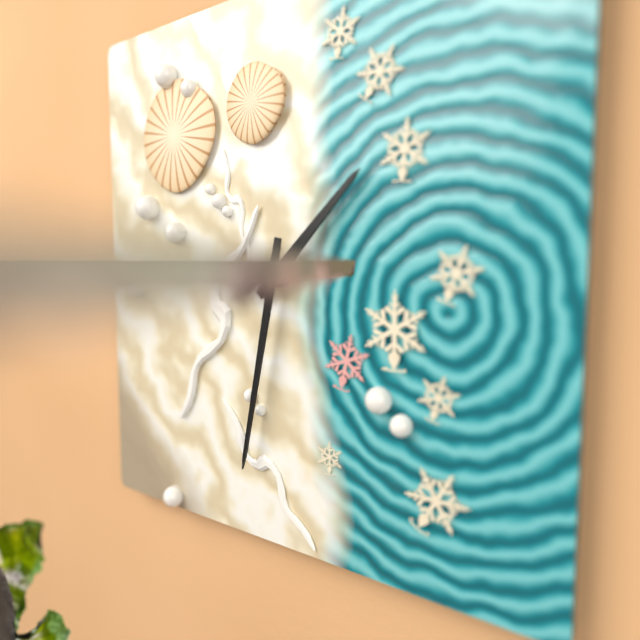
1:32
